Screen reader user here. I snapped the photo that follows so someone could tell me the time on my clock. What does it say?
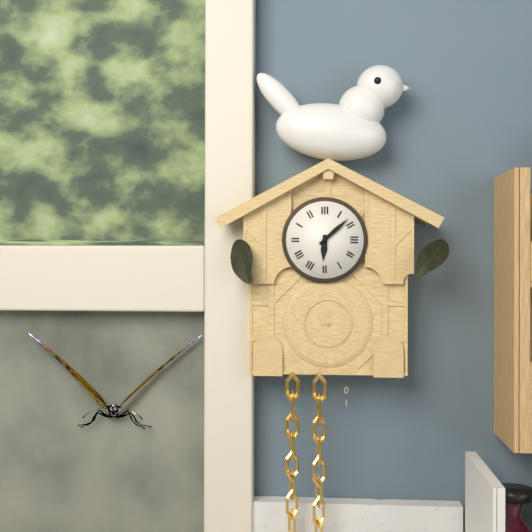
6:08
